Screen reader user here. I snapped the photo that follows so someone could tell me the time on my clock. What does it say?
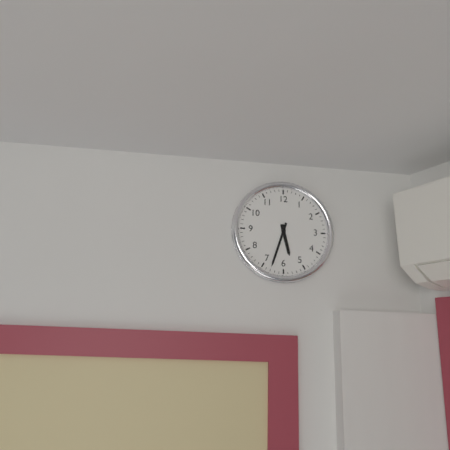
5:33
